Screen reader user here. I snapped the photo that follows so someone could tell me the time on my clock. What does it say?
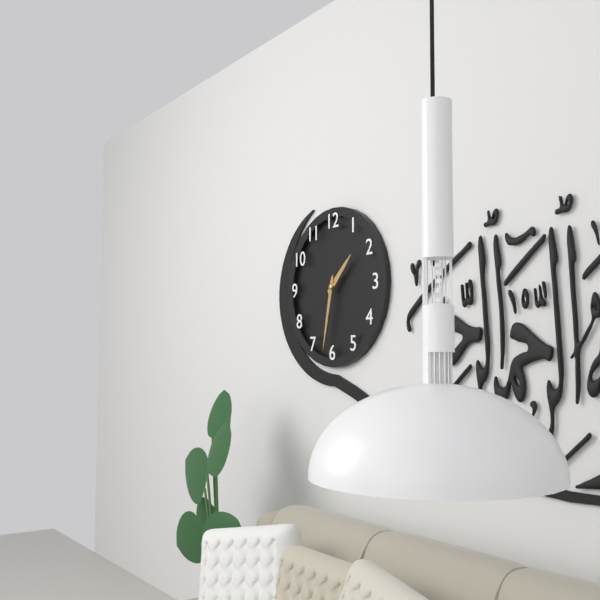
1:32
